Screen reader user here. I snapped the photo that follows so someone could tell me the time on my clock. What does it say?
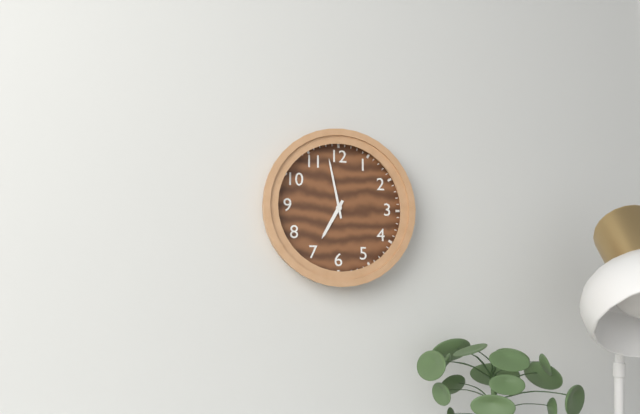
6:58
